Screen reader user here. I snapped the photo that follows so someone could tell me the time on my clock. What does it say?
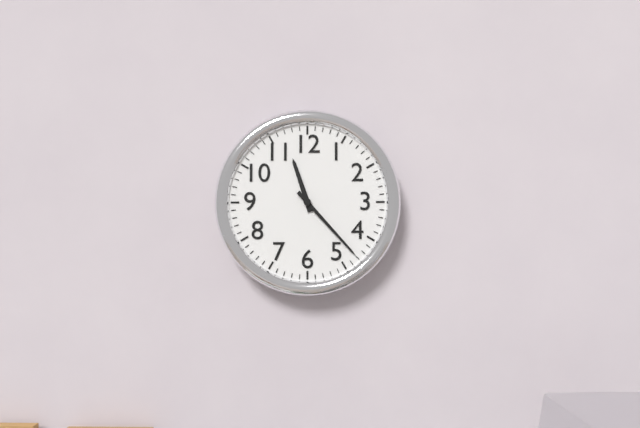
11:23
